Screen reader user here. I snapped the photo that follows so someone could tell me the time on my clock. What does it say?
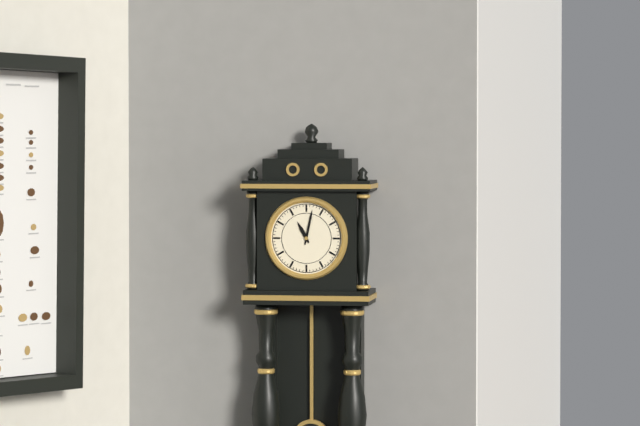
11:02
